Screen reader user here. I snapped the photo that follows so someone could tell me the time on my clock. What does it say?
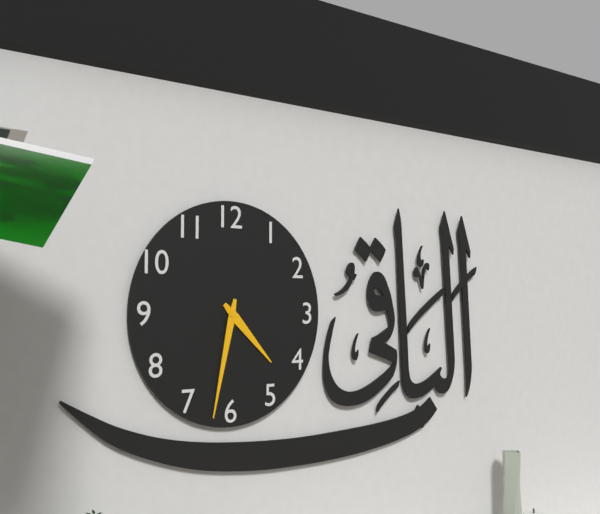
4:32
